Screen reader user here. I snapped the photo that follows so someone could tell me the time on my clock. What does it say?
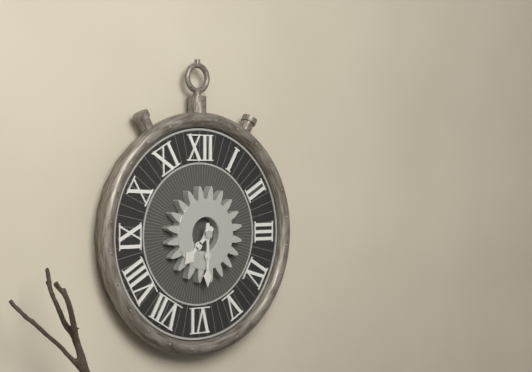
7:30
